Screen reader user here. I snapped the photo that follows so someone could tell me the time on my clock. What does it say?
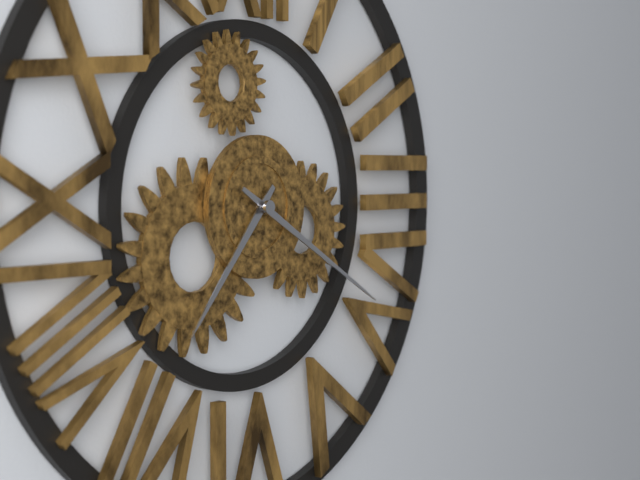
7:20
